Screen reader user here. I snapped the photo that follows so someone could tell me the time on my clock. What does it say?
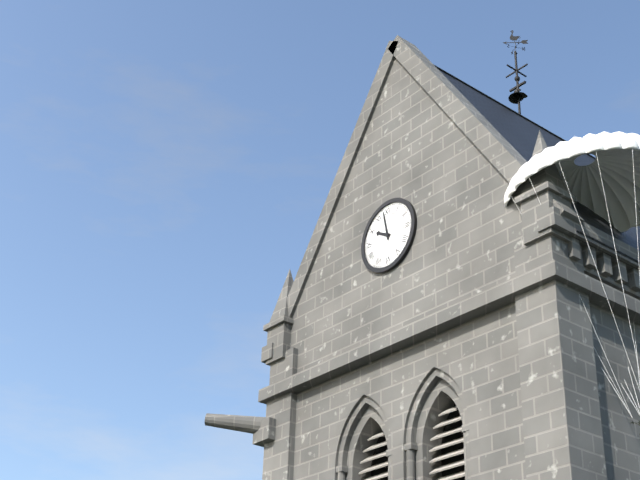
9:58
